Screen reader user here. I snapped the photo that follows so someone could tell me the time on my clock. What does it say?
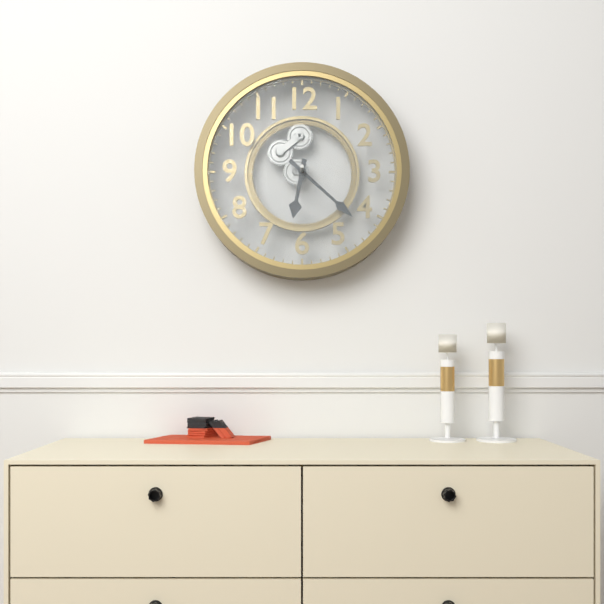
6:22
